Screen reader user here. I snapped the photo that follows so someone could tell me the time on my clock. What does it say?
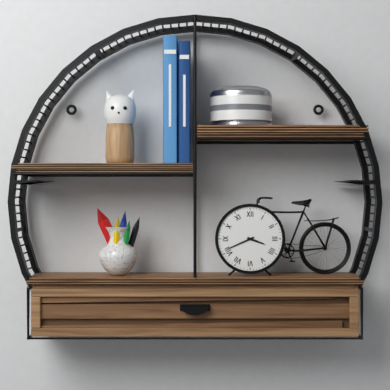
3:41
